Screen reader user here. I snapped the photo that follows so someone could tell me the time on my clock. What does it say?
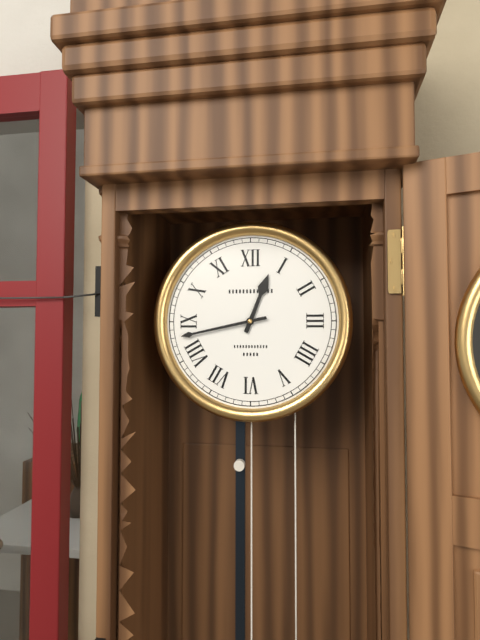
12:43
